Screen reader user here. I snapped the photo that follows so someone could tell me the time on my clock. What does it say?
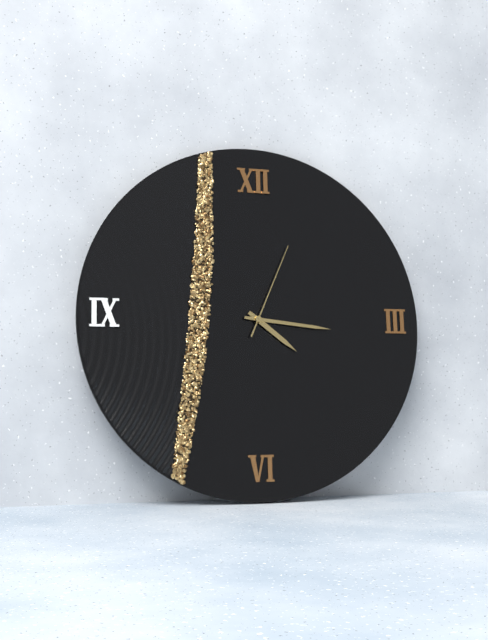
4:16:04
